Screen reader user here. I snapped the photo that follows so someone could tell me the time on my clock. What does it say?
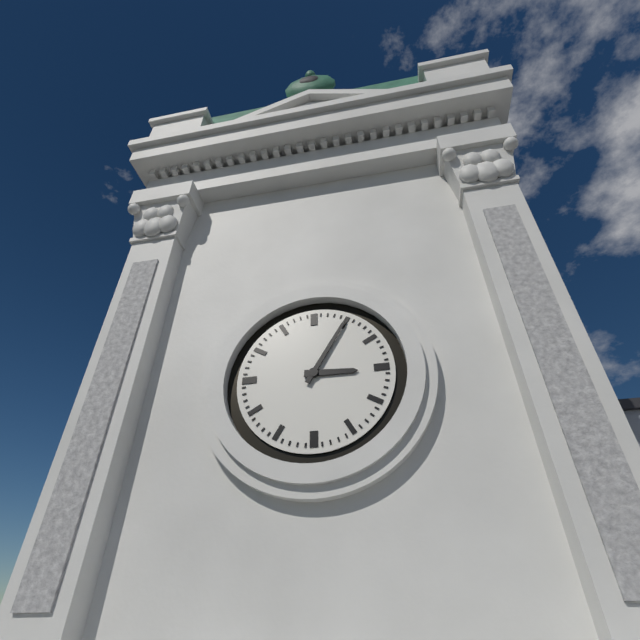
3:05
